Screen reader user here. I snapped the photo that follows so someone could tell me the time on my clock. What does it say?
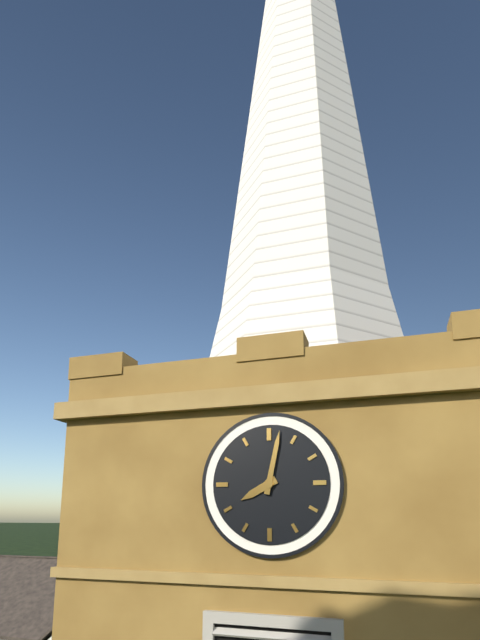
8:02
